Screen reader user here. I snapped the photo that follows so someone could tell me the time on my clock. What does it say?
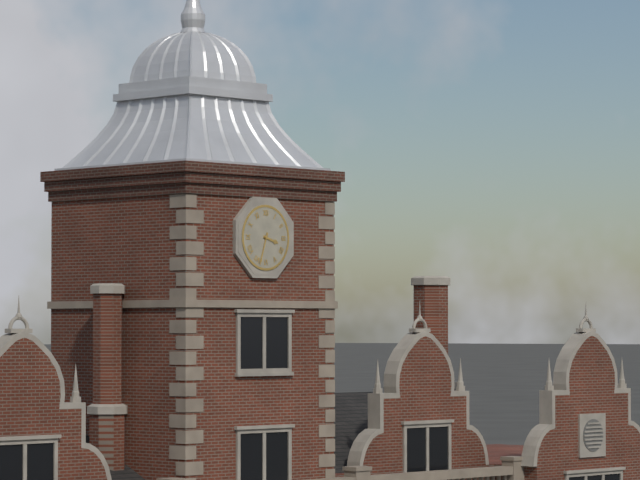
3:33
